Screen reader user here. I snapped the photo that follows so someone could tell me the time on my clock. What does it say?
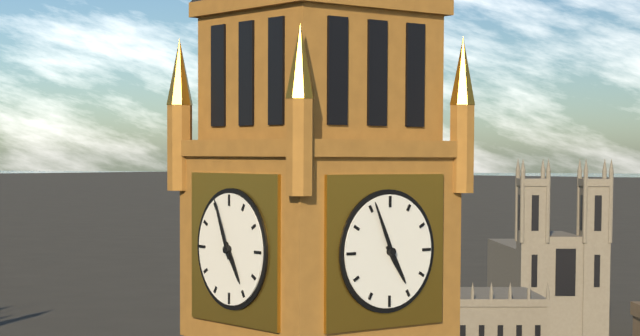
4:56
